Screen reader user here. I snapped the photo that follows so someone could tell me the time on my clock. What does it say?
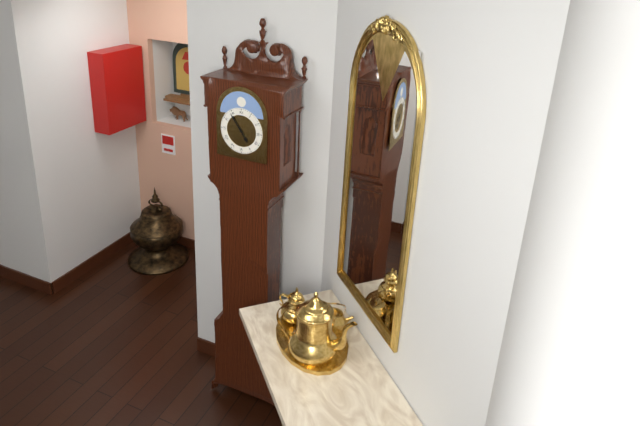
4:54
